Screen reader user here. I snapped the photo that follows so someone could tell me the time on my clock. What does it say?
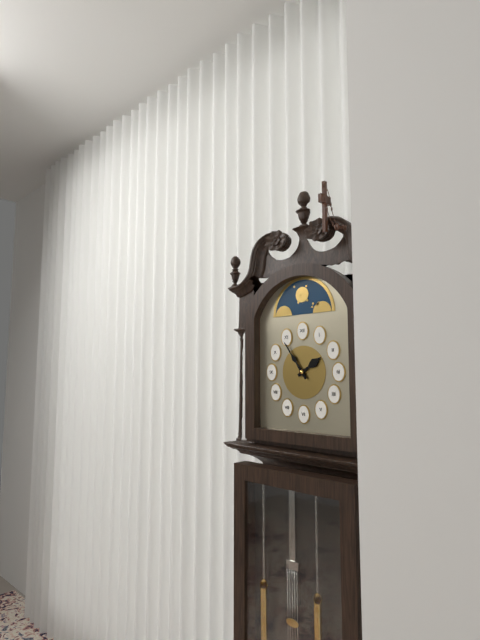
1:54
